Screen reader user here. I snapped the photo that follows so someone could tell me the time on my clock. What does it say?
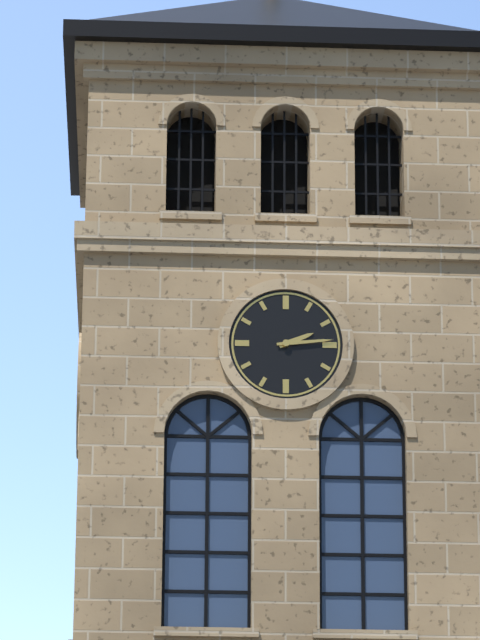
2:14
